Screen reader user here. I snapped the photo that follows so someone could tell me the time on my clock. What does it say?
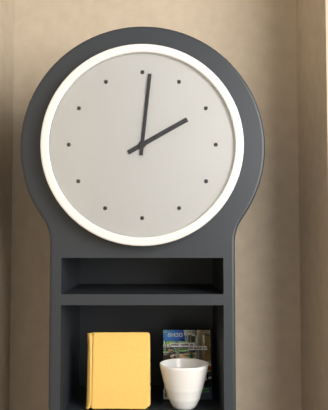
2:01
